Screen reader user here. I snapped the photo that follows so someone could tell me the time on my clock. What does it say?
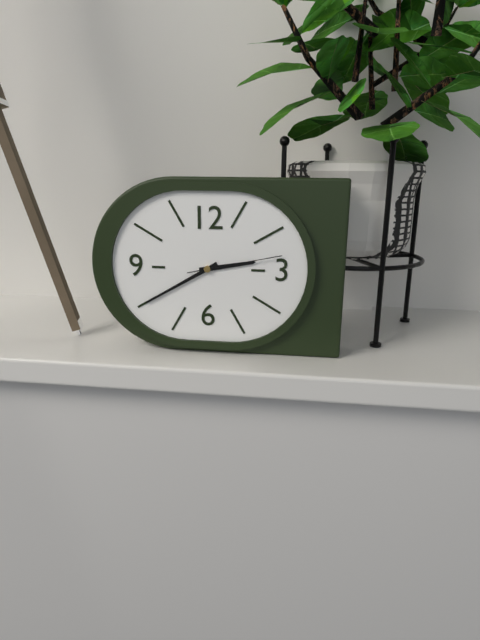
2:40:13
